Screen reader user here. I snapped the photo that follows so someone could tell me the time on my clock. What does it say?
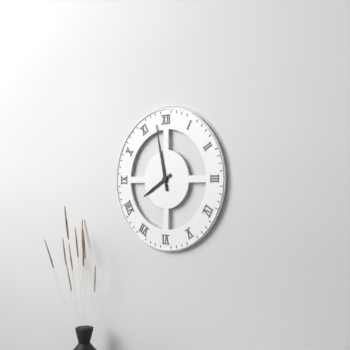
7:58
